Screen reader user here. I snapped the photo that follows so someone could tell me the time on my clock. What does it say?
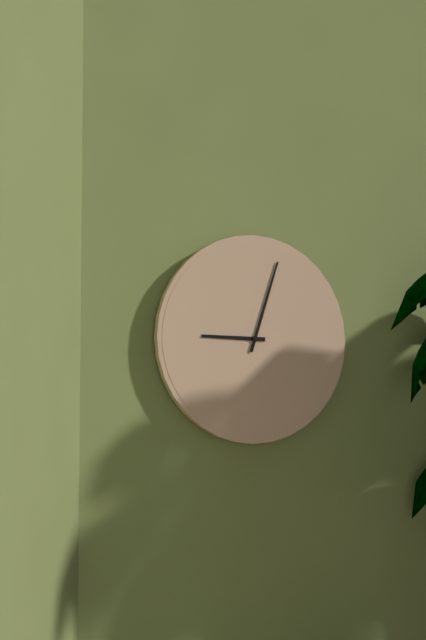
9:03
